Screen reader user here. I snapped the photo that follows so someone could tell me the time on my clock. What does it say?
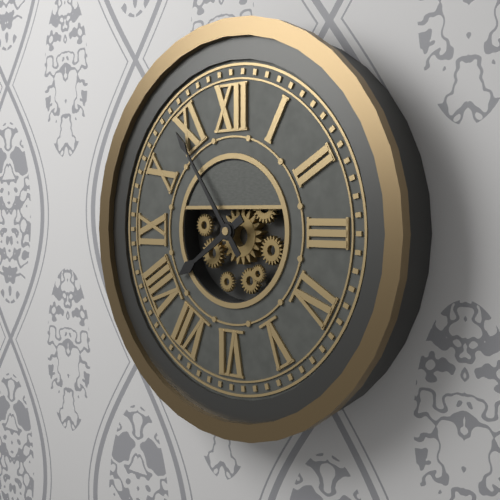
7:54
